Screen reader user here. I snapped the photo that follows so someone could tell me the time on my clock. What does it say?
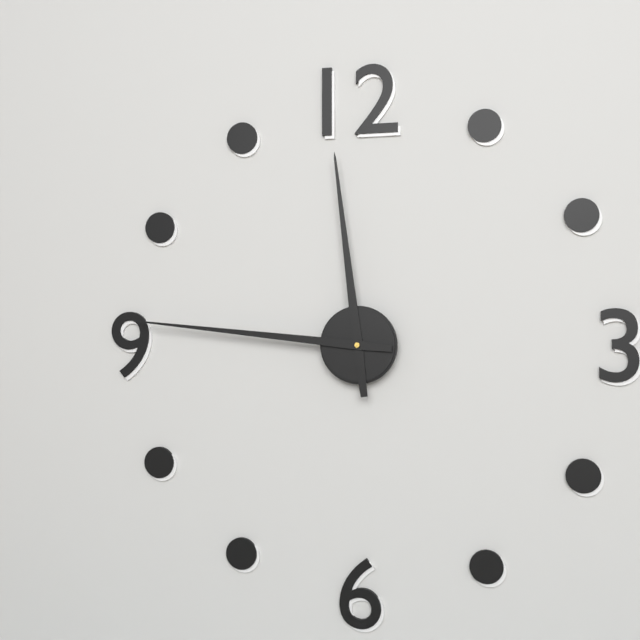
11:46
